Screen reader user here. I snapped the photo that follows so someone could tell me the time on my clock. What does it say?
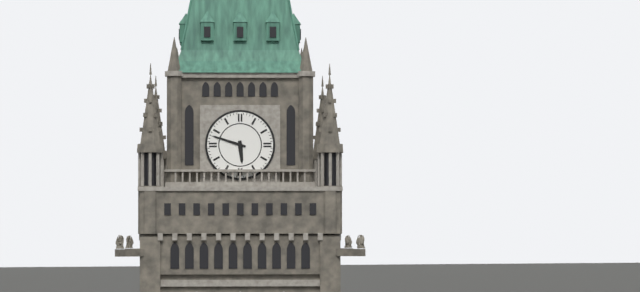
5:48
